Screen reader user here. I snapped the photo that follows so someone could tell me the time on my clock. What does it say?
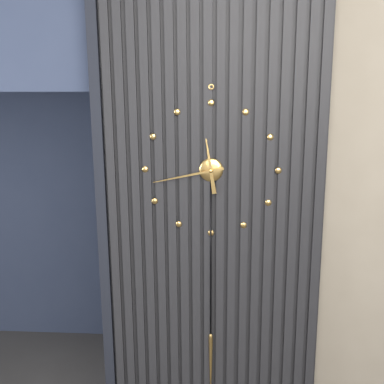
11:43
